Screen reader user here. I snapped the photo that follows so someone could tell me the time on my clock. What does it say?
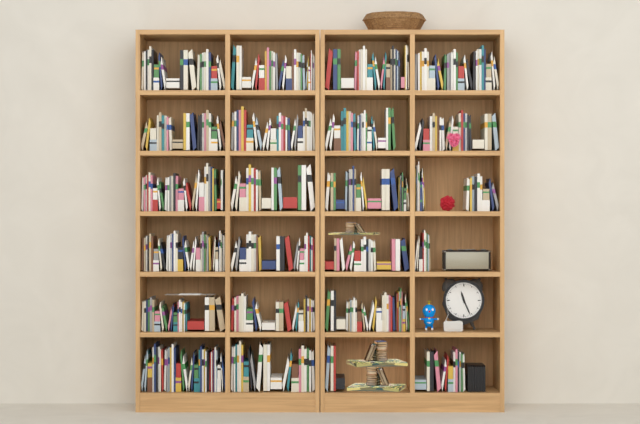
11:26
